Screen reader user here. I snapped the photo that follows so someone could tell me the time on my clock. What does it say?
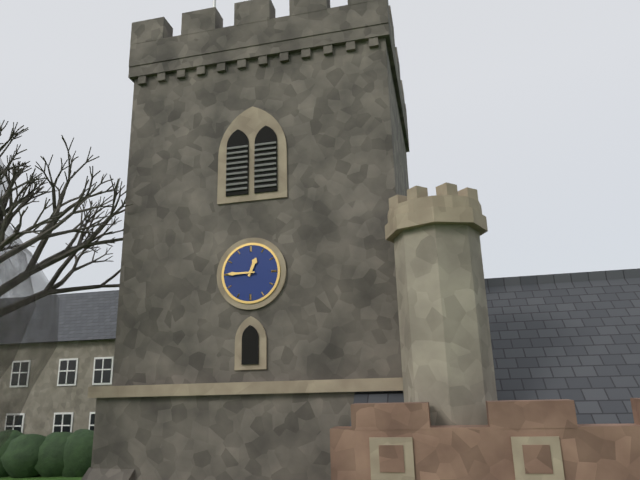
12:45
